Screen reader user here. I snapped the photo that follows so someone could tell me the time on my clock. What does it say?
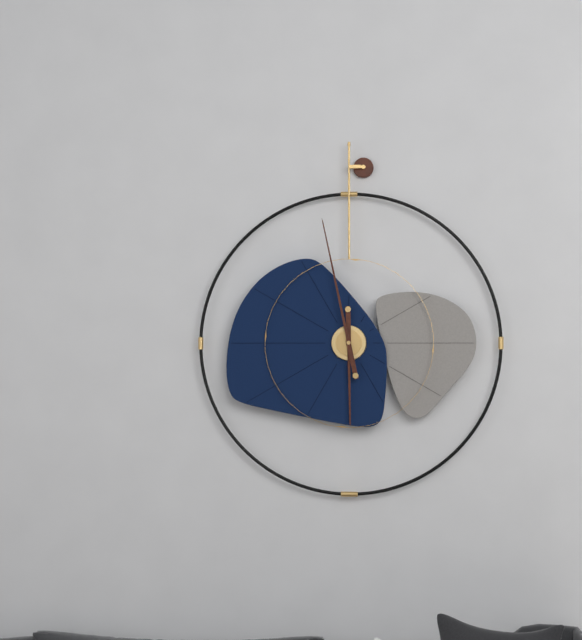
5:58
